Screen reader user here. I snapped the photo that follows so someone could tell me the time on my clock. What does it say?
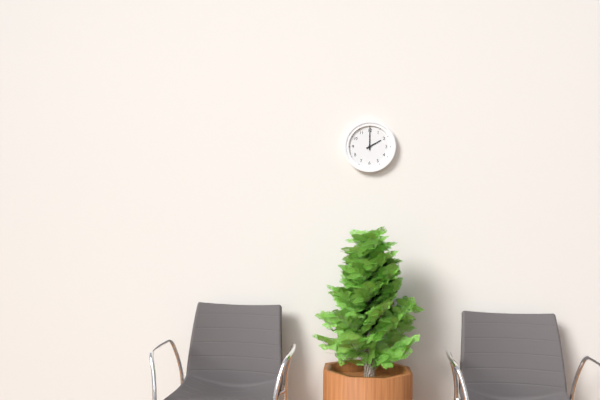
2:00
